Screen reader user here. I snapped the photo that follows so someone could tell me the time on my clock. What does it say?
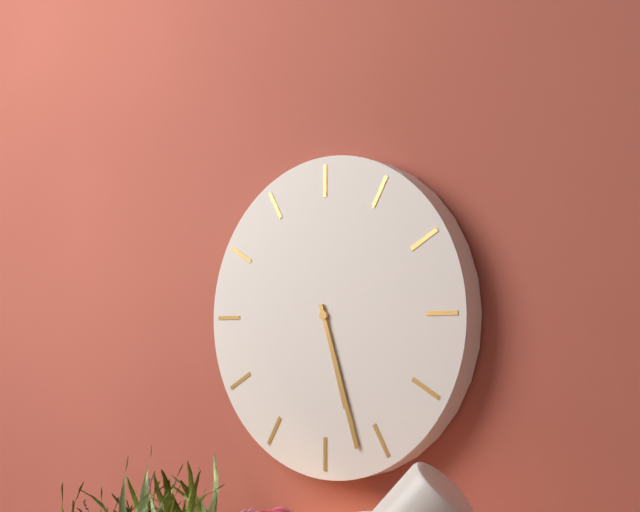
5:27
